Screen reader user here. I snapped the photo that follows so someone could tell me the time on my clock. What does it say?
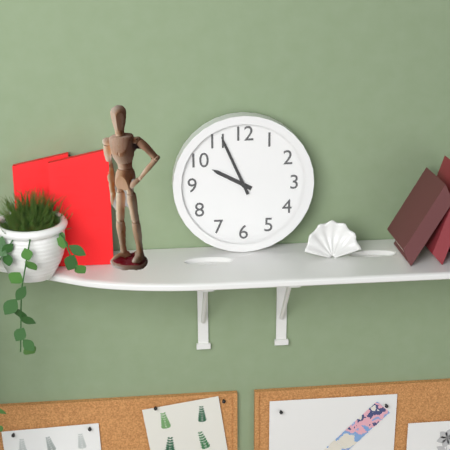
9:56
